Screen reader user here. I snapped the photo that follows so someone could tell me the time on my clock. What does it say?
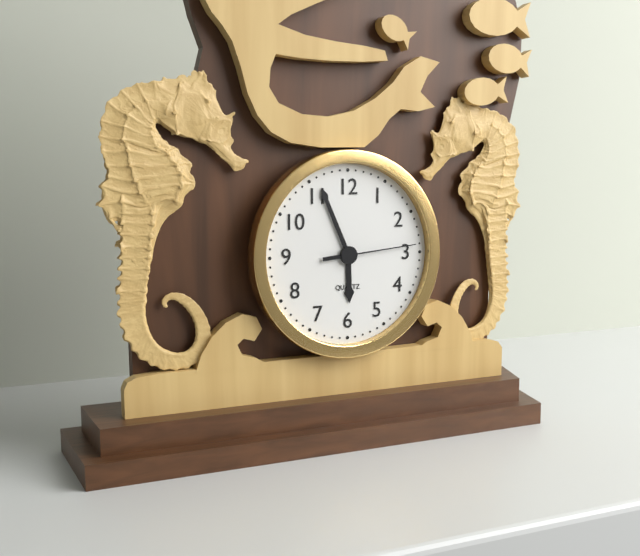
5:56:14
